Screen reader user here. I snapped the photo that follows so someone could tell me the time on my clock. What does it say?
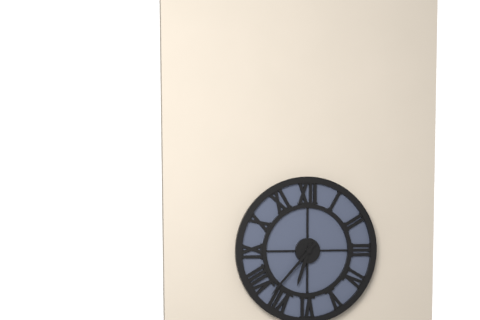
6:37
